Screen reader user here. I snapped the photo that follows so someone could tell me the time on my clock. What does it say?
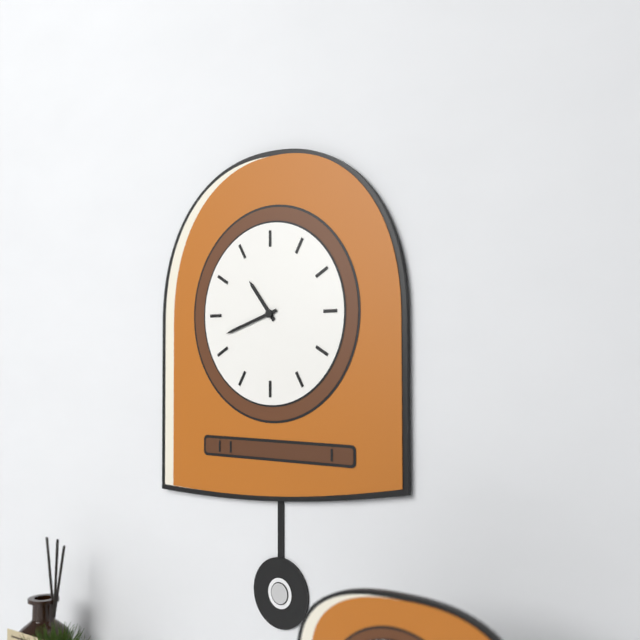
10:42
